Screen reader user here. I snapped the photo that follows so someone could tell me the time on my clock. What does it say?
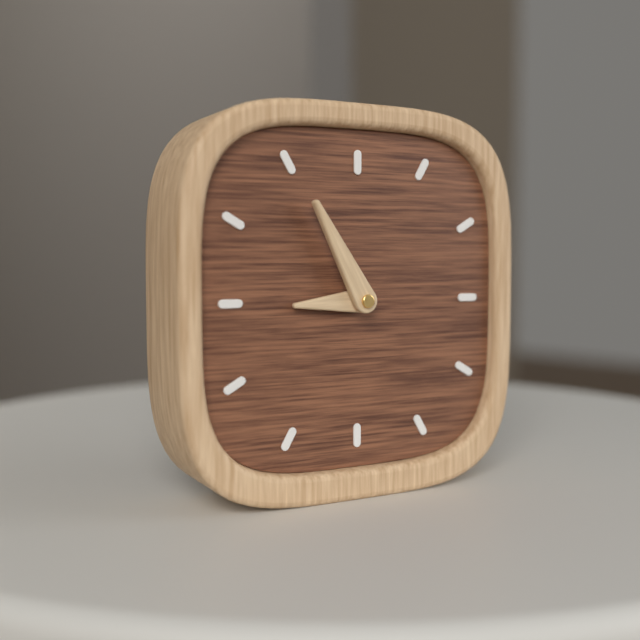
8:55
